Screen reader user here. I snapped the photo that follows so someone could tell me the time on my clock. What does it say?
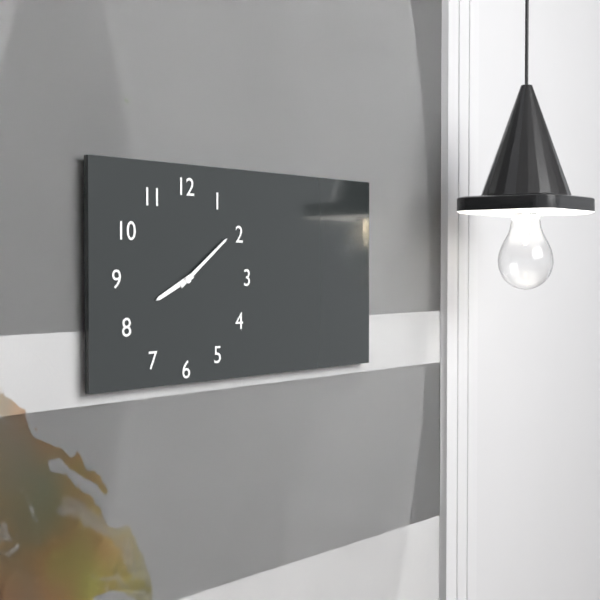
8:09
